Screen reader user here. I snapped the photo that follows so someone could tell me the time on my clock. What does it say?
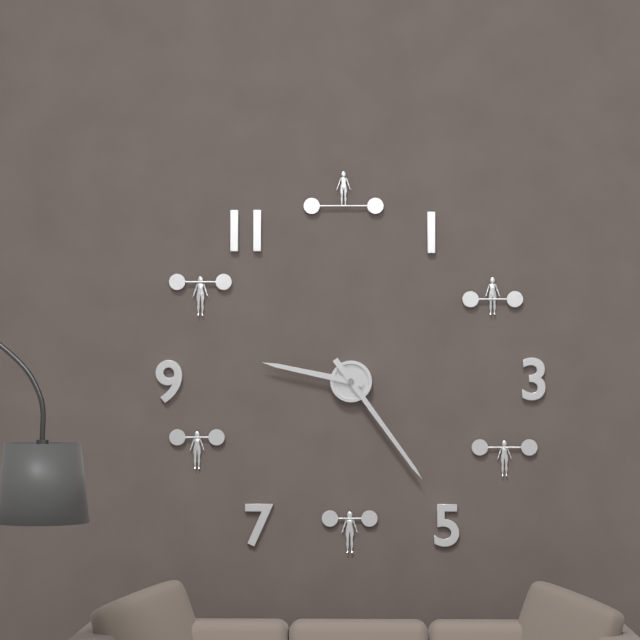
9:24
